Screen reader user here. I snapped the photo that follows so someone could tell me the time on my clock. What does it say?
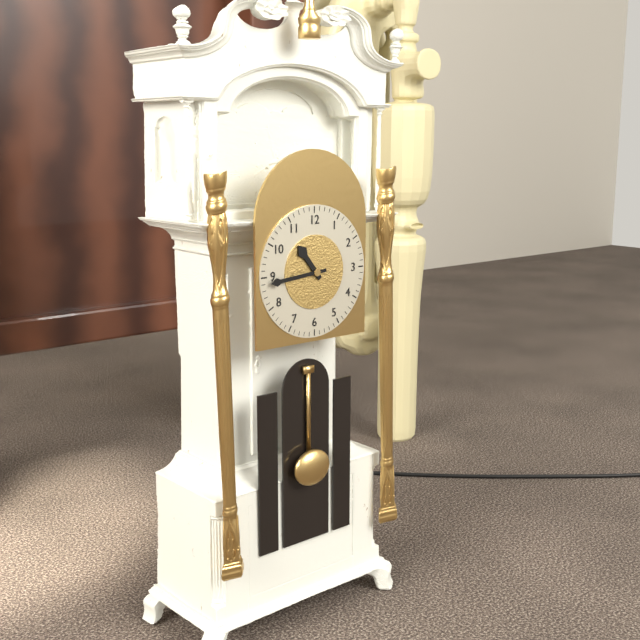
10:44
